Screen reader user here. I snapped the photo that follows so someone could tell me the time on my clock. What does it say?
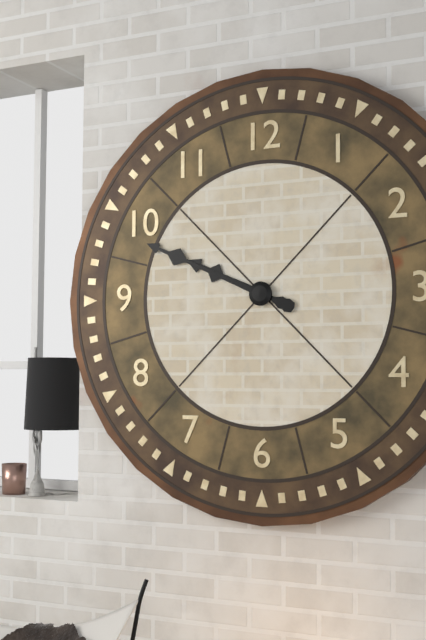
9:49
